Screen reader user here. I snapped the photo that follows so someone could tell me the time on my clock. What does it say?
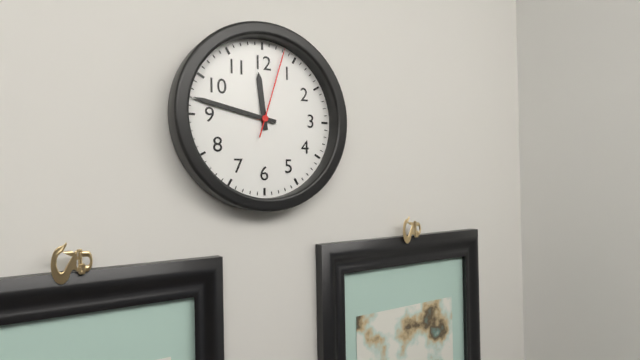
11:47:03
